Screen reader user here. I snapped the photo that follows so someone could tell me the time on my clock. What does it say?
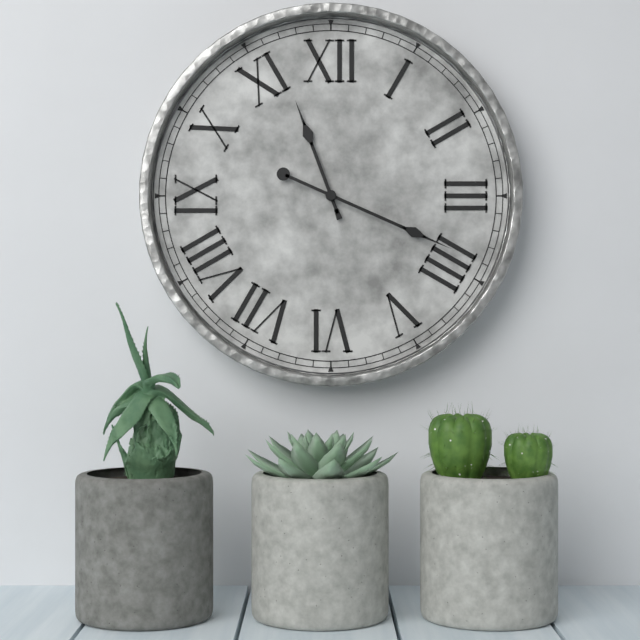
11:19
